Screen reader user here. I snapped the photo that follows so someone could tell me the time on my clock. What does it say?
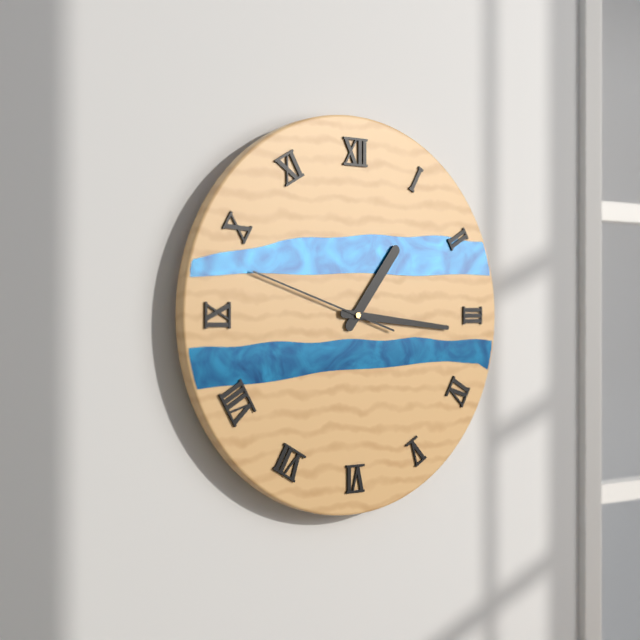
1:16:48
